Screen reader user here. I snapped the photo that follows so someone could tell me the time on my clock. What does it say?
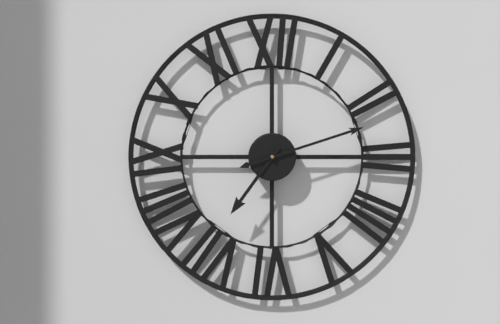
7:12
